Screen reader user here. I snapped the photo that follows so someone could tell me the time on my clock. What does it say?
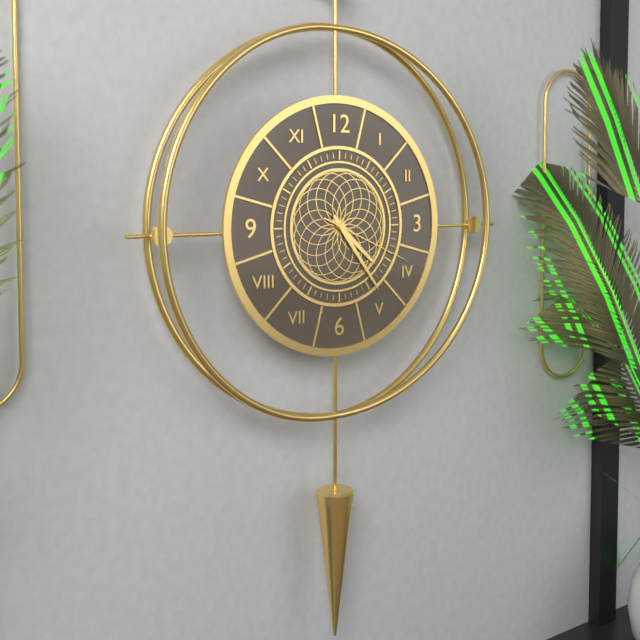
4:24:19
